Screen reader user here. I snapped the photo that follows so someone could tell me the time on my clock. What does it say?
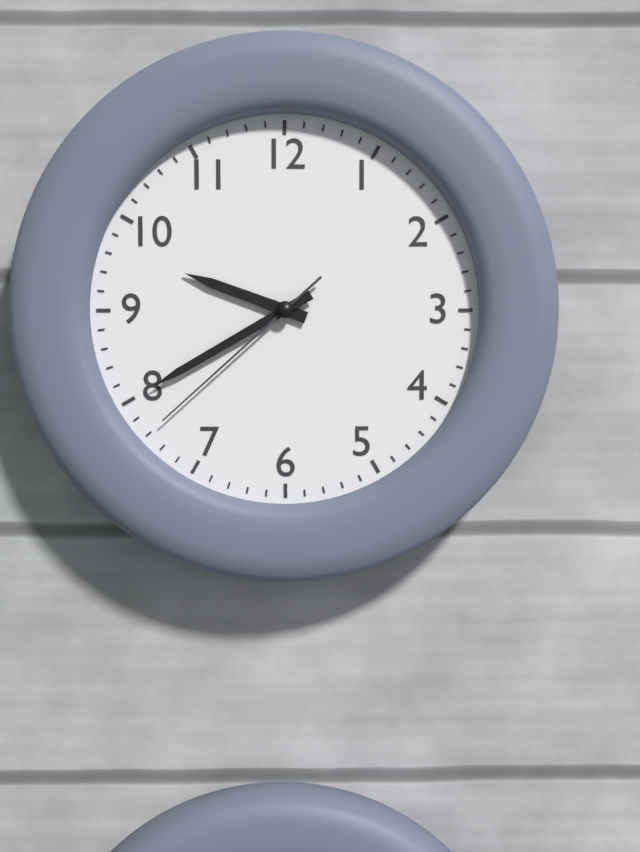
9:40:38
